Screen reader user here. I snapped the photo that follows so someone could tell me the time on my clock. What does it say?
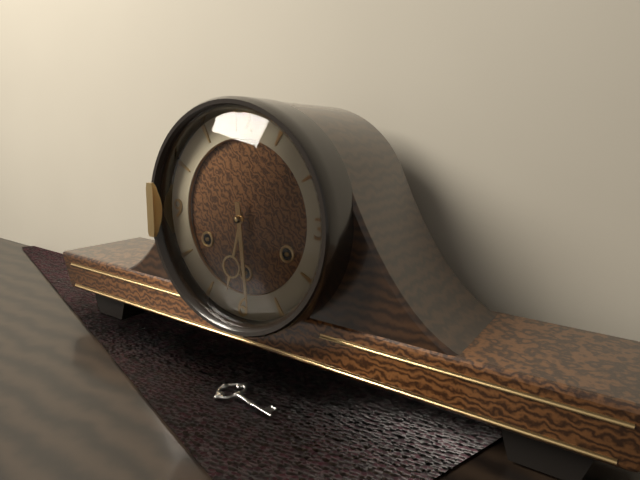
6:29
